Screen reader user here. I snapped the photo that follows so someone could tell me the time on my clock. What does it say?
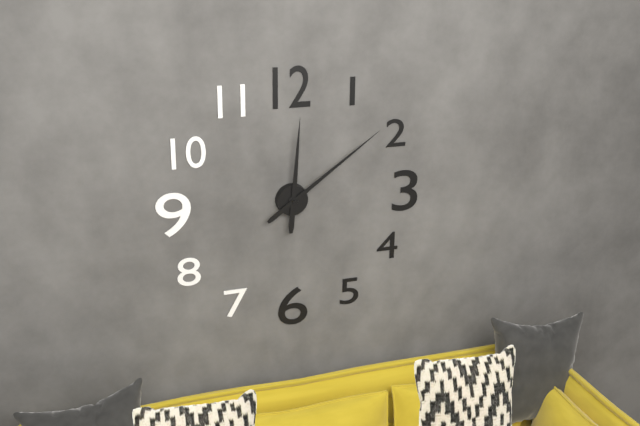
12:09
